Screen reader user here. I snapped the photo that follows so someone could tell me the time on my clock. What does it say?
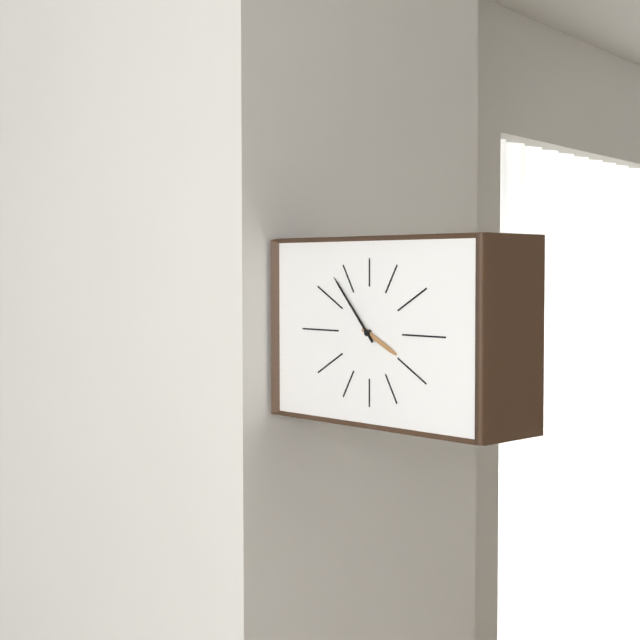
3:53
